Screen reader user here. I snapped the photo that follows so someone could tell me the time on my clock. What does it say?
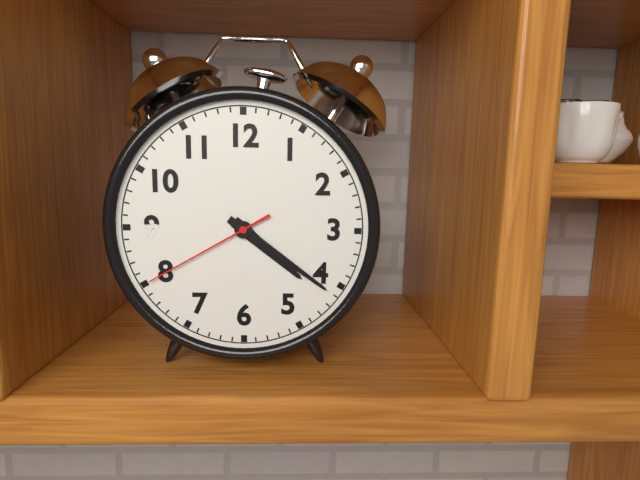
4:21:40
